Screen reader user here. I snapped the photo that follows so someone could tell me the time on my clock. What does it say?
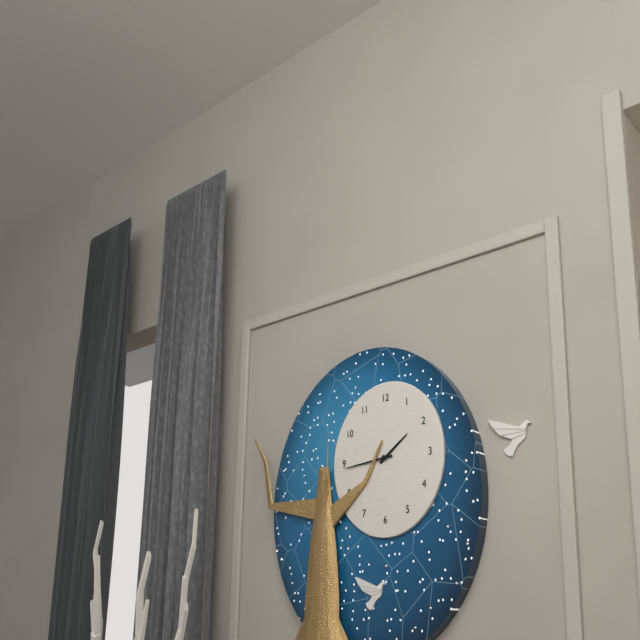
1:44
